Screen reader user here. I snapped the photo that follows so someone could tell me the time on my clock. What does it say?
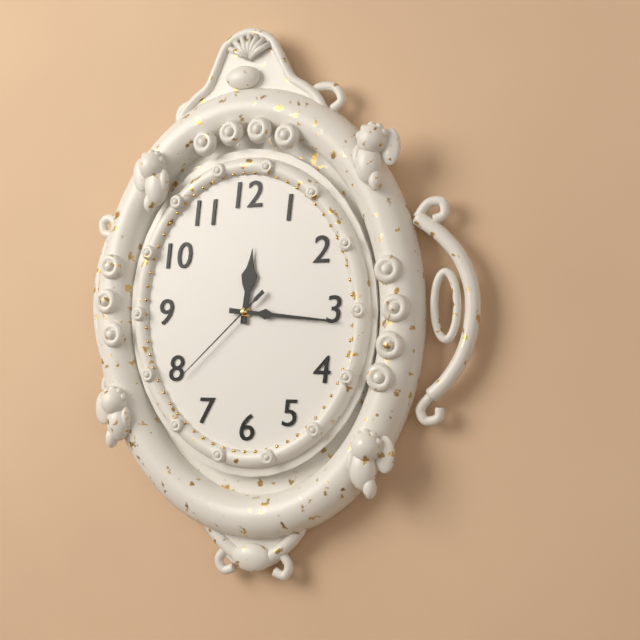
12:16:38
